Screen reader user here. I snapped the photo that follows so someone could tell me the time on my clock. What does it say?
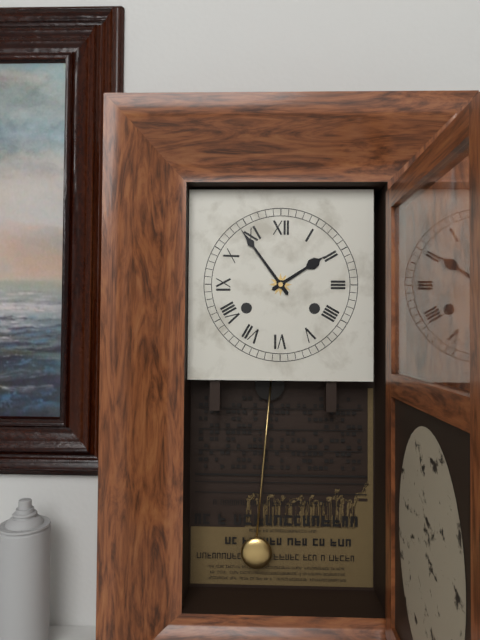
1:54
